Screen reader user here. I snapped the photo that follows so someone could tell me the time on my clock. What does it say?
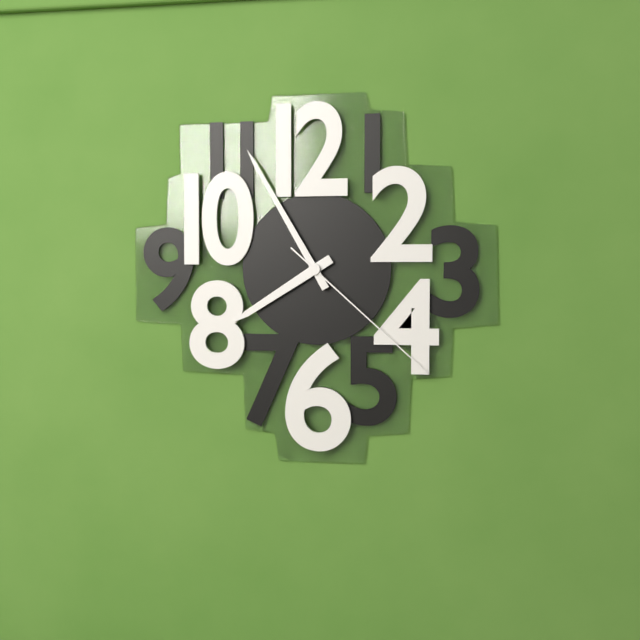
7:55:22
